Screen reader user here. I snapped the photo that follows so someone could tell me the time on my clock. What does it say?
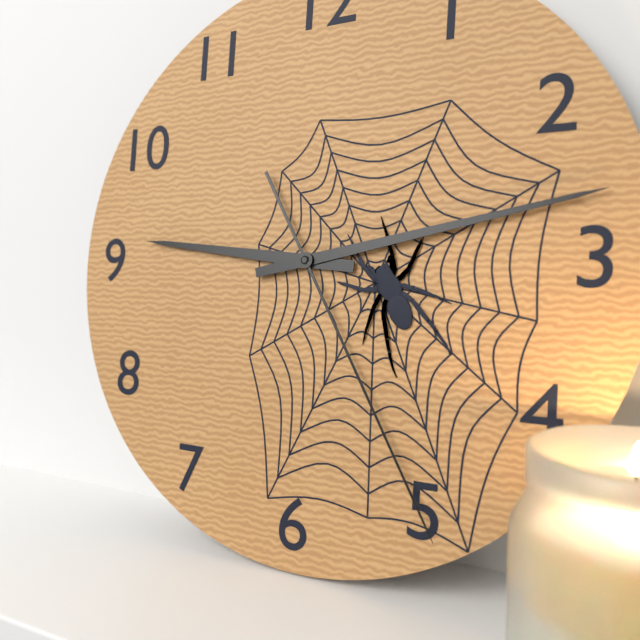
9:13:25
